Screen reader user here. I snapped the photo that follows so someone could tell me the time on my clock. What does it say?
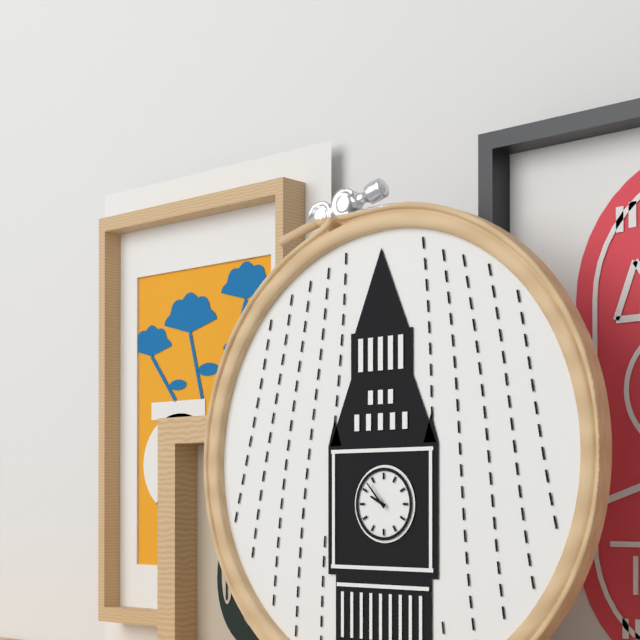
9:53
